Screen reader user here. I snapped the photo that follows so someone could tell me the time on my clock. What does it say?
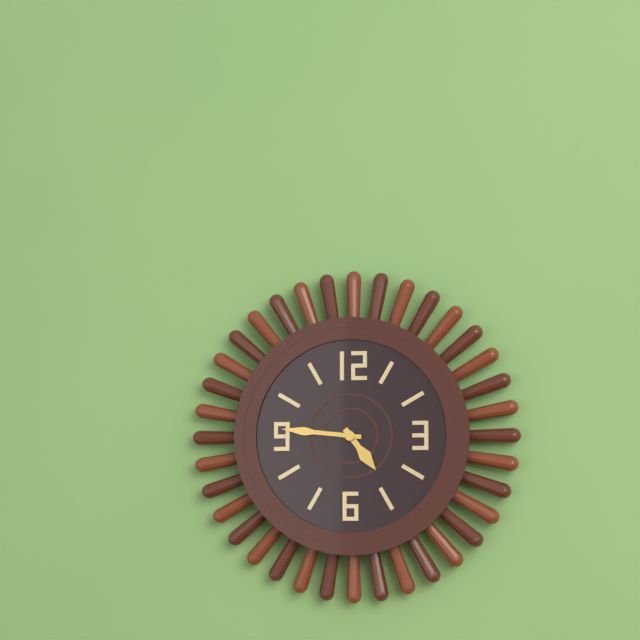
4:46
